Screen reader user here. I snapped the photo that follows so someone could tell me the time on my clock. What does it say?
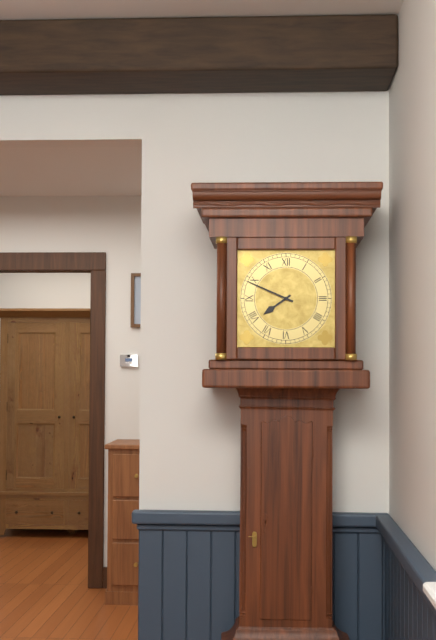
7:49
